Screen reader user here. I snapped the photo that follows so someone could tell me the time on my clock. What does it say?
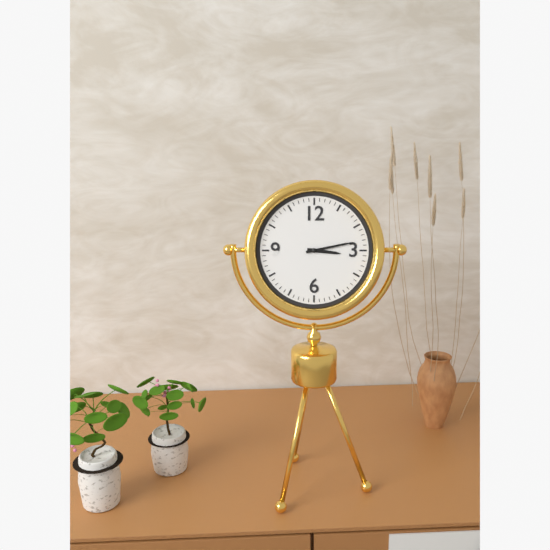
3:13
